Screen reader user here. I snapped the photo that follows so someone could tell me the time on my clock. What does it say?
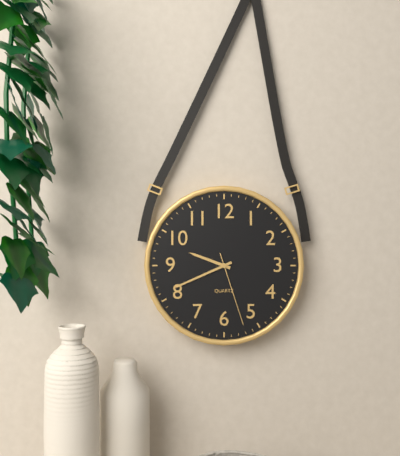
9:41:27
